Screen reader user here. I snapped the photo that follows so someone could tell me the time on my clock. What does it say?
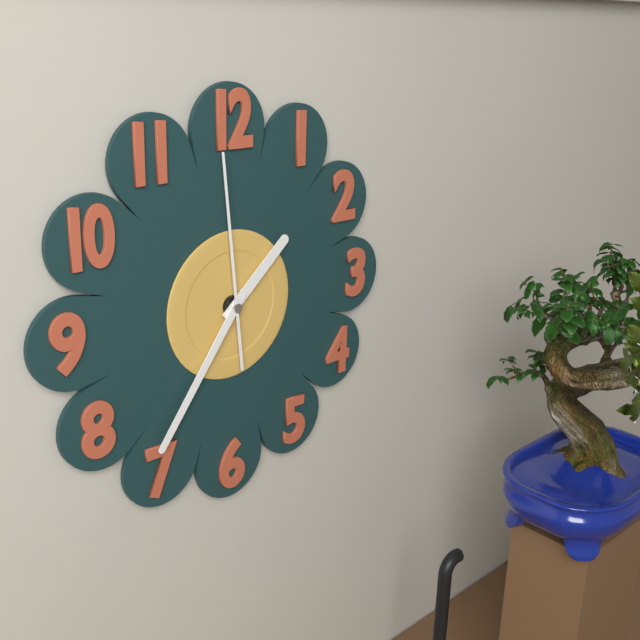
1:36:59
